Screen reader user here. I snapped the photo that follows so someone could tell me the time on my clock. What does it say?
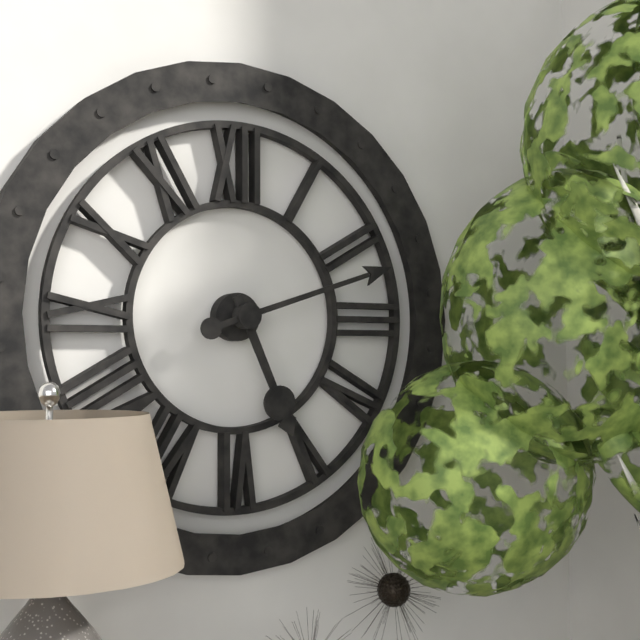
5:12
